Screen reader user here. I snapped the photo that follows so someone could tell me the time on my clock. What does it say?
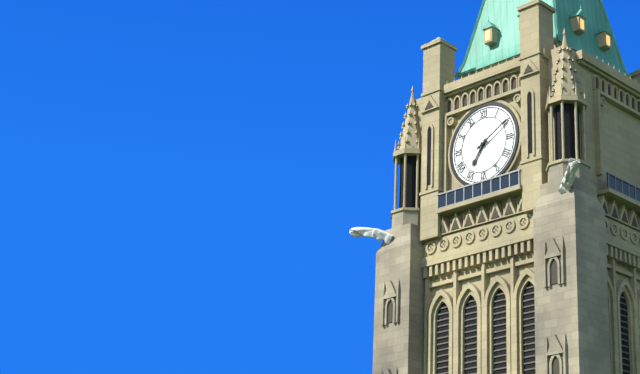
7:10
